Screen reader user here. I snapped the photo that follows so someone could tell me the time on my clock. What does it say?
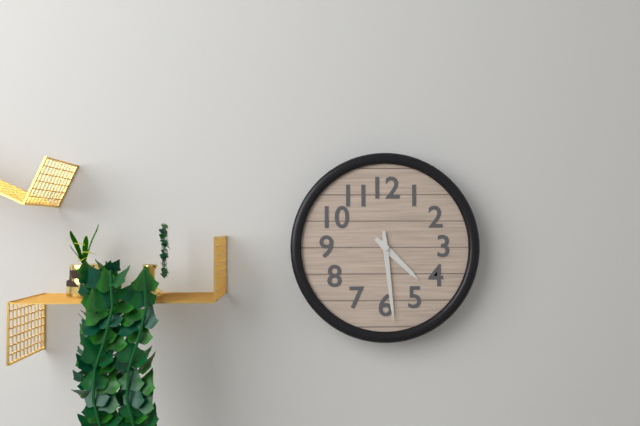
4:29
